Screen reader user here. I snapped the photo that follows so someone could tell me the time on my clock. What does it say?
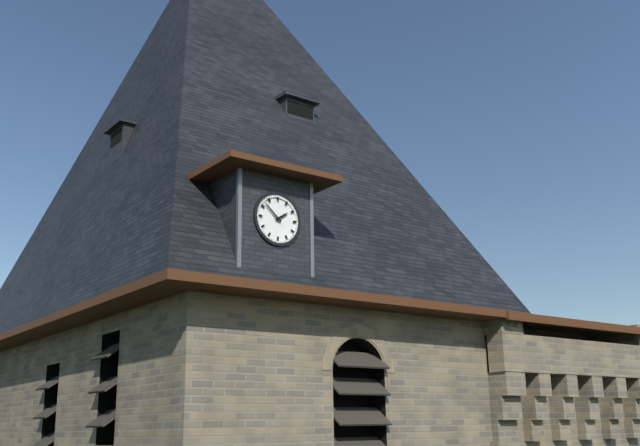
1:52
